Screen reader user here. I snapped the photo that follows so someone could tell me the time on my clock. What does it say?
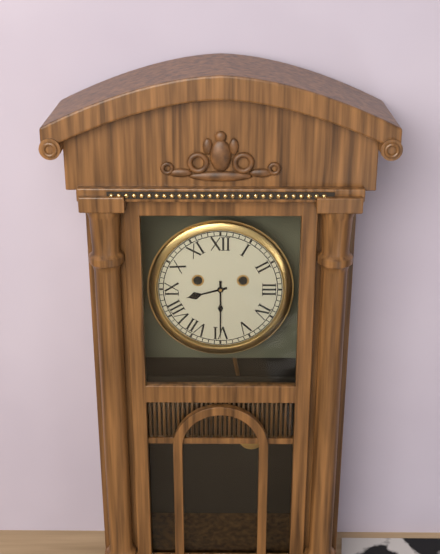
8:30
